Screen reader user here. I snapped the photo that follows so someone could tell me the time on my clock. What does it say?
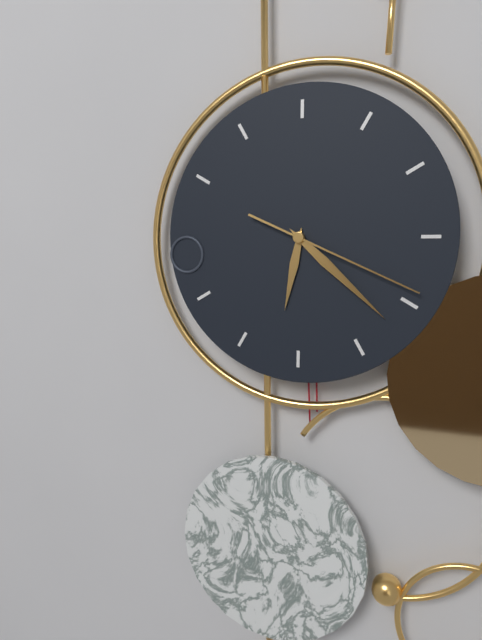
6:22:19
